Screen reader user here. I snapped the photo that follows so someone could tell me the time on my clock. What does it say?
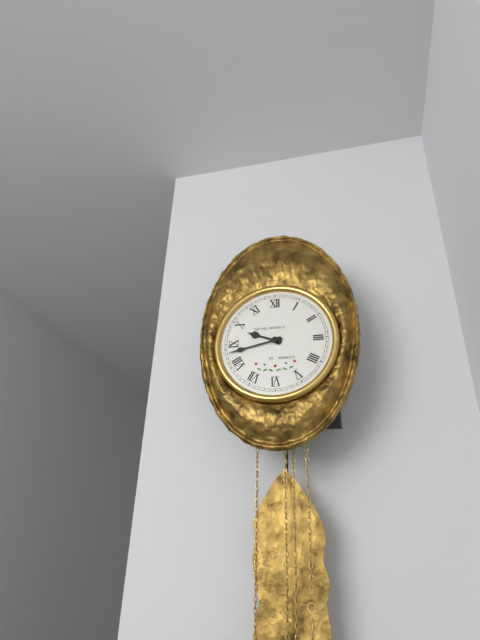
9:43
